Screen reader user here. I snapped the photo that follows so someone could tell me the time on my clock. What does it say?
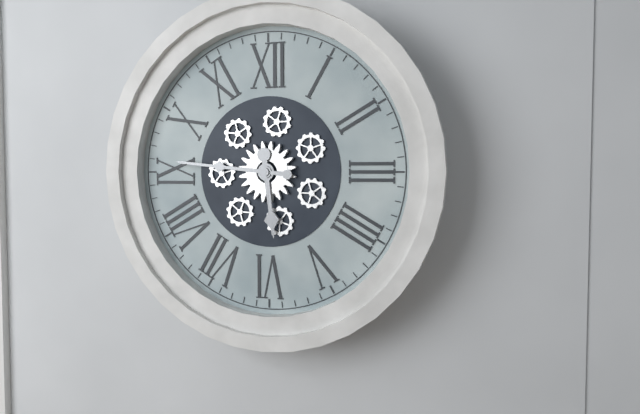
5:46
